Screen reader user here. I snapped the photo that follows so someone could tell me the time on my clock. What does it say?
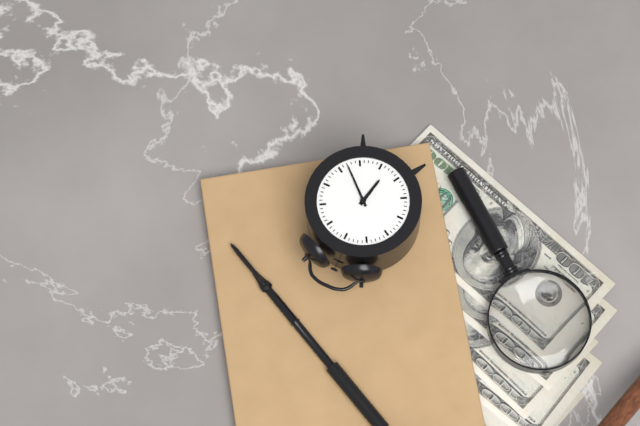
6:22
